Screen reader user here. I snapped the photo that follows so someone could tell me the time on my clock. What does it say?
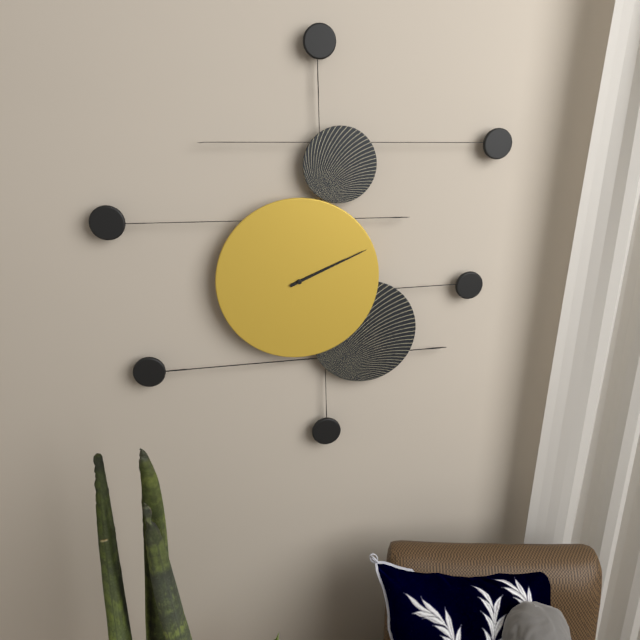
2:11
